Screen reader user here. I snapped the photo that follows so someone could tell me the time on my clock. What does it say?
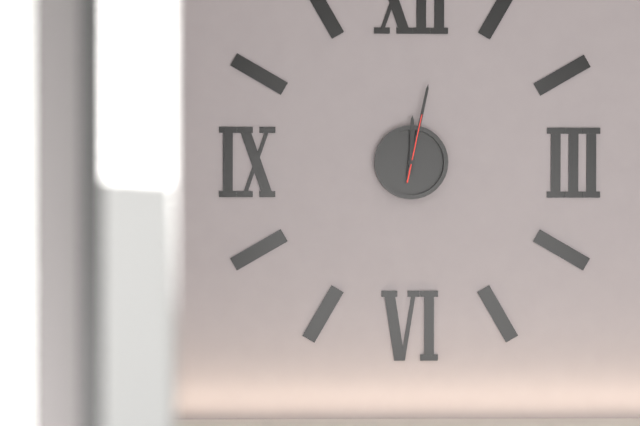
12:02:02
